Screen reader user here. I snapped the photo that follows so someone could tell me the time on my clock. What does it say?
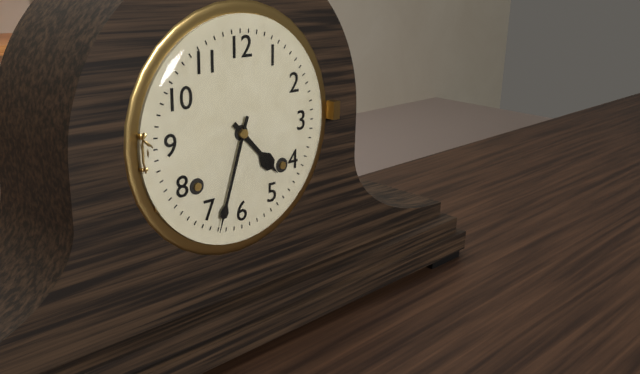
4:33
